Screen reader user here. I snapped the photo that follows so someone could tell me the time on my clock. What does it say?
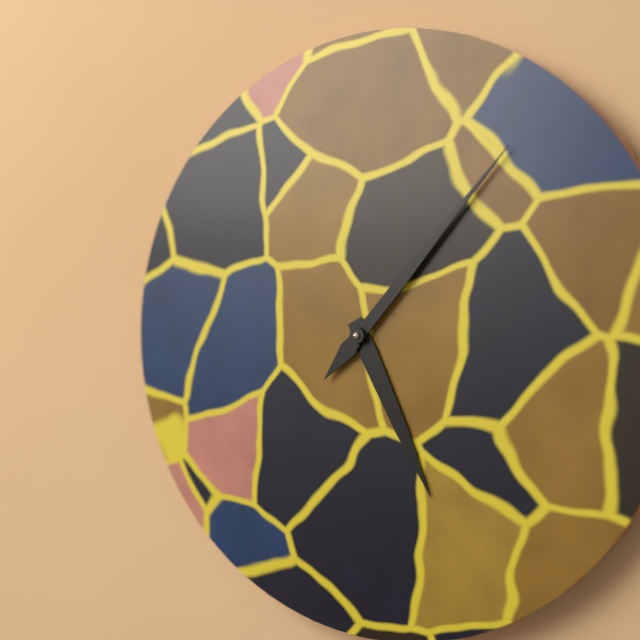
5:07
